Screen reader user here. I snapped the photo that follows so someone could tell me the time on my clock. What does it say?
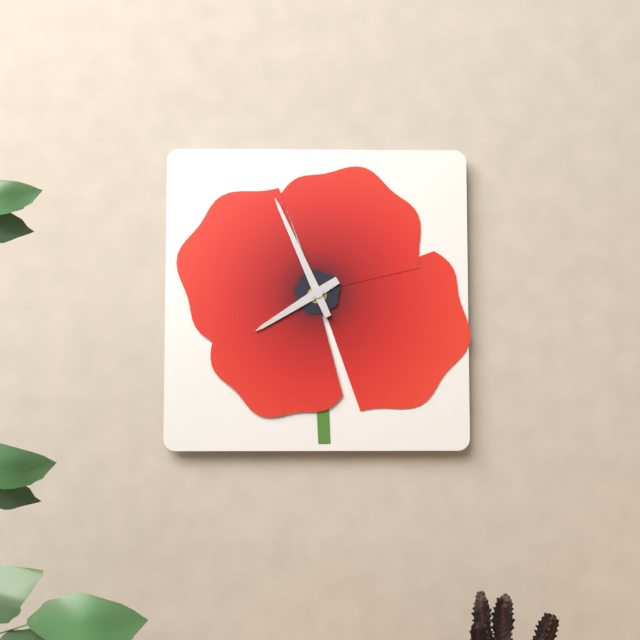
7:56
